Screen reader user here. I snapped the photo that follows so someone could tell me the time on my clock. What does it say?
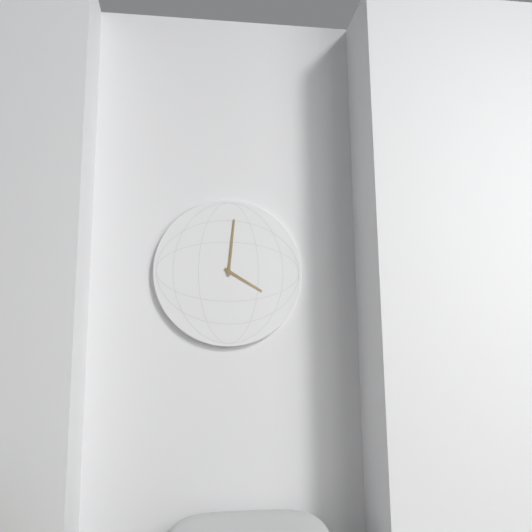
4:01
